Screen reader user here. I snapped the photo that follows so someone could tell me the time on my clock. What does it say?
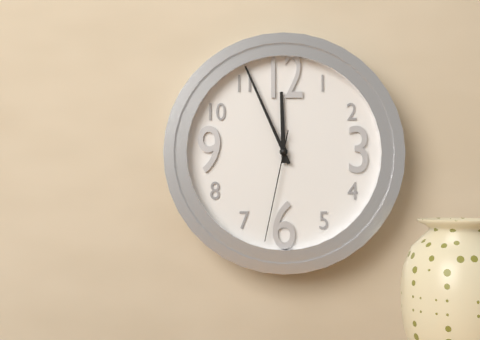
11:56:32
